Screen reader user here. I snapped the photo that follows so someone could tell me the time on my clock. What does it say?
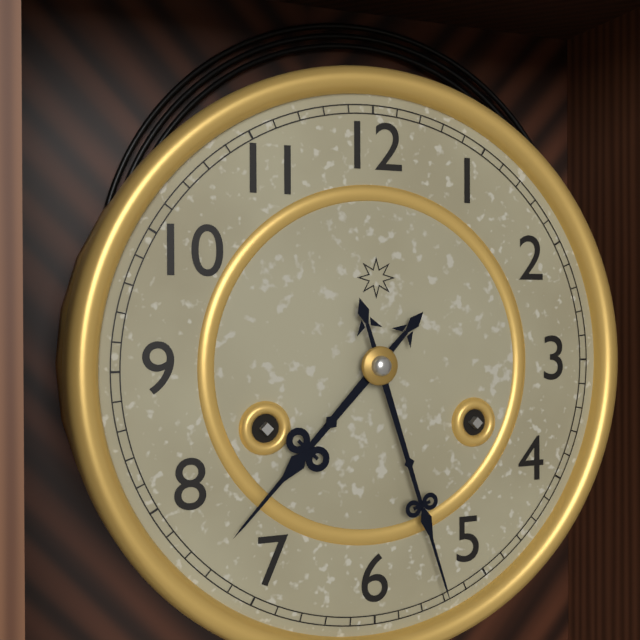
7:27
